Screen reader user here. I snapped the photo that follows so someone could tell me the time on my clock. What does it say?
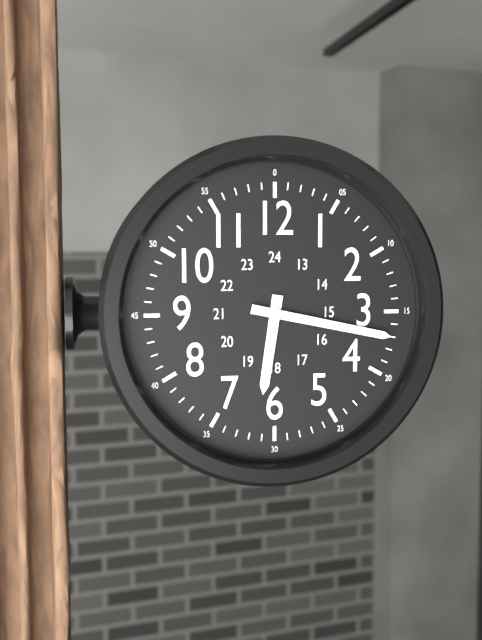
6:17
